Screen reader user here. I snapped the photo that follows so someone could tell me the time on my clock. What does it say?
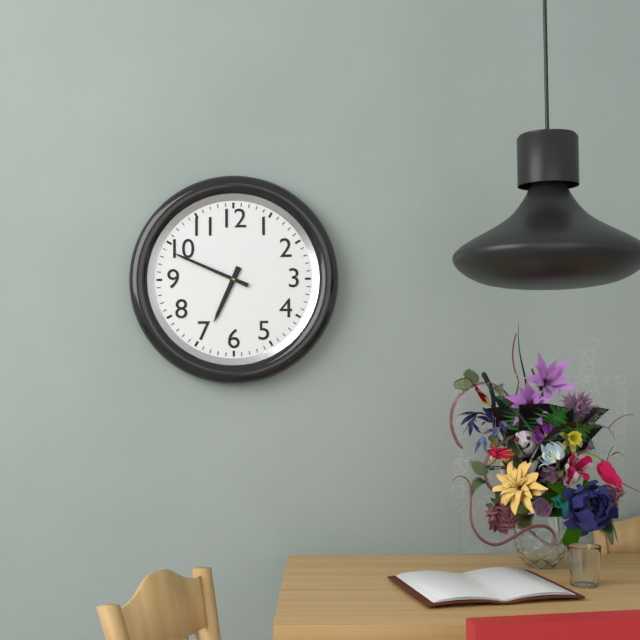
6:49
